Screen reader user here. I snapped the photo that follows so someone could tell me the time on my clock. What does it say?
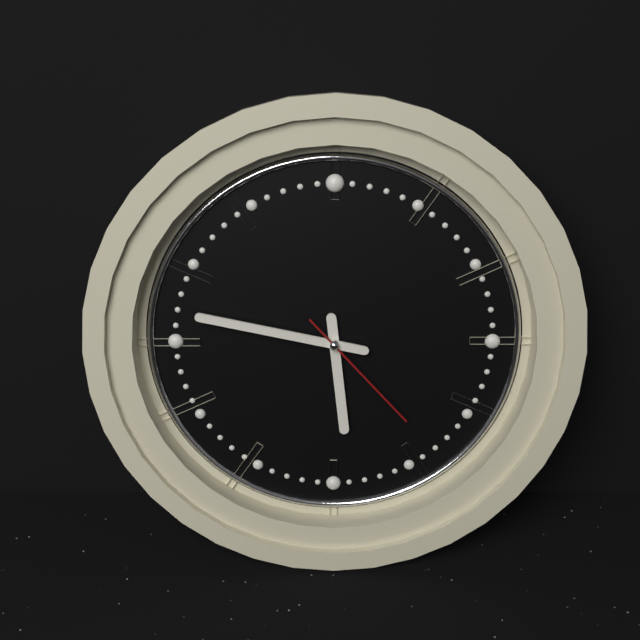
5:47:23
